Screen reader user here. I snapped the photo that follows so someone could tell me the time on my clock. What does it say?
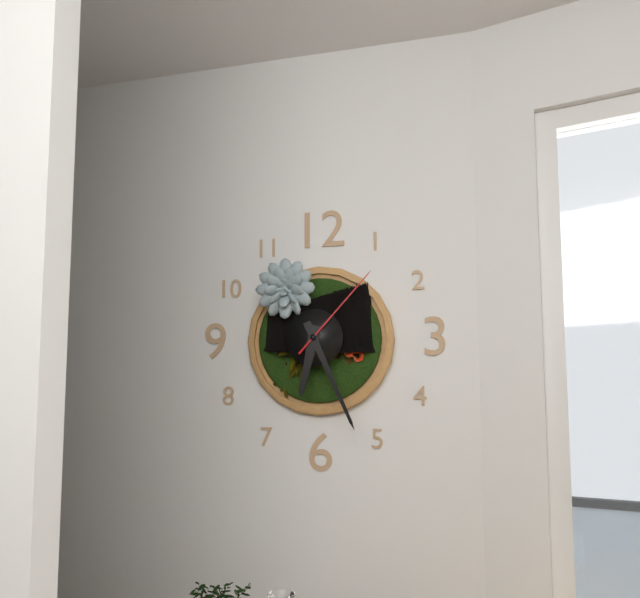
6:26:07
